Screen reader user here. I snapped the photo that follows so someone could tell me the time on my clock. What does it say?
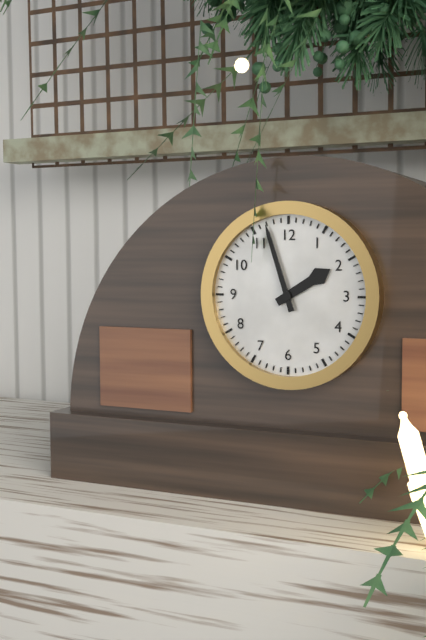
1:57
